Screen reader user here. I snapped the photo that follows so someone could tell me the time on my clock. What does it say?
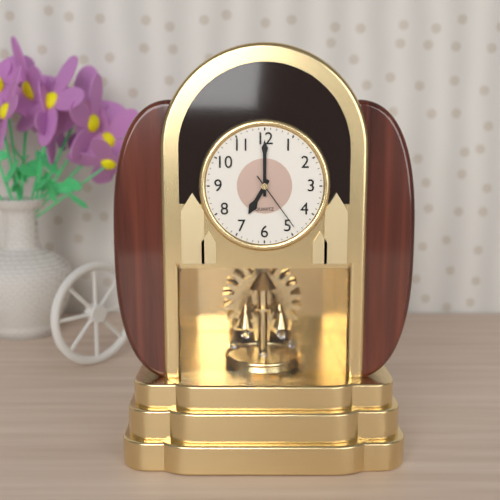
7:00:24
